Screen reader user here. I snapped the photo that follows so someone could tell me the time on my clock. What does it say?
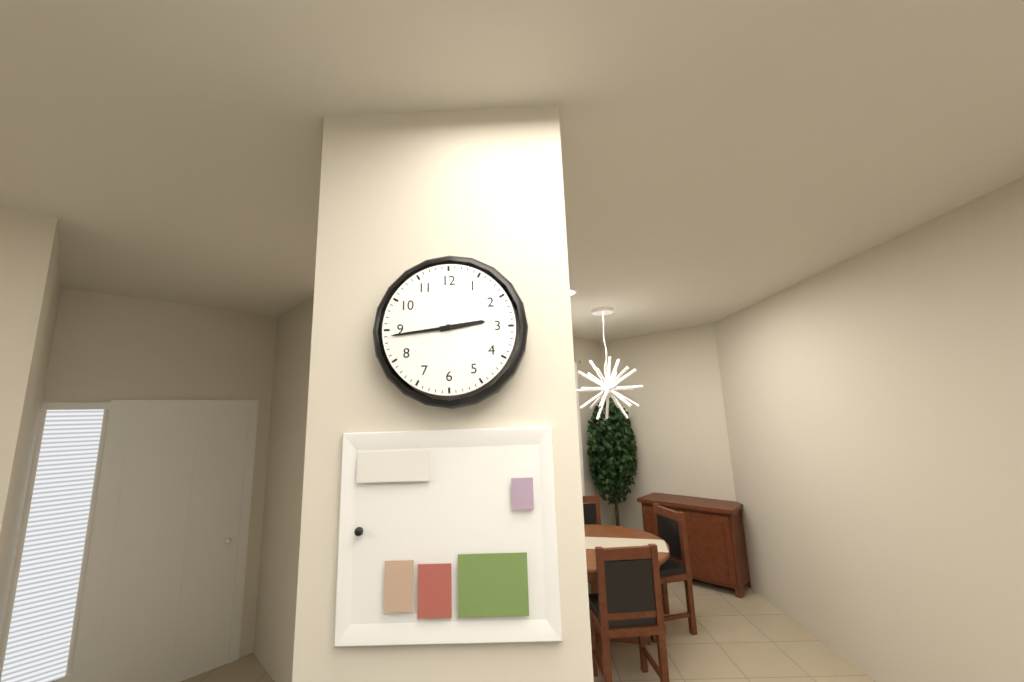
2:44
